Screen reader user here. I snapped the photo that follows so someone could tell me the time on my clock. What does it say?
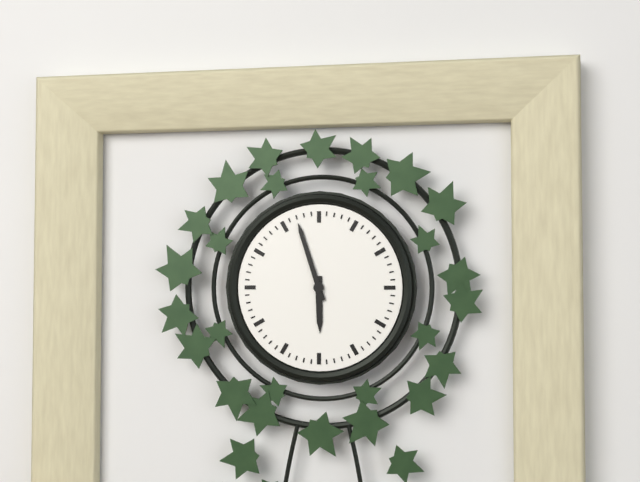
5:57
